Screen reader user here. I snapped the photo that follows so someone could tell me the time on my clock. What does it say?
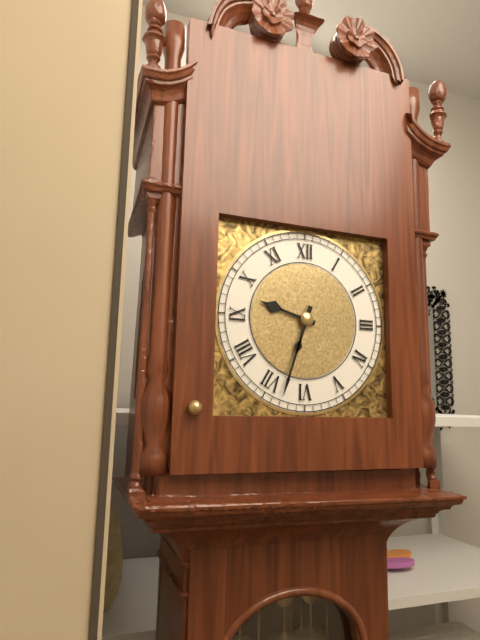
9:33
